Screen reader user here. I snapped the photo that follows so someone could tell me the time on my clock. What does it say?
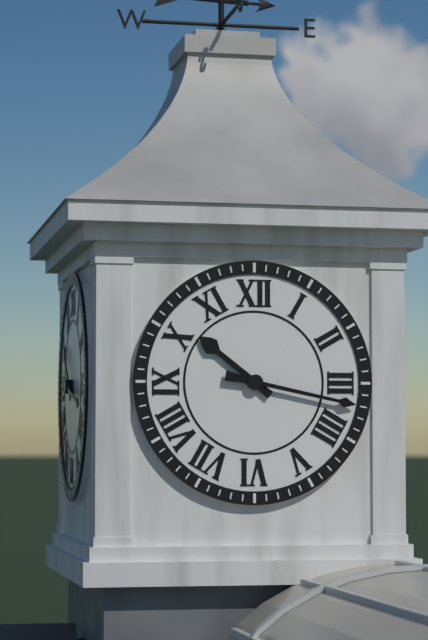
10:17
